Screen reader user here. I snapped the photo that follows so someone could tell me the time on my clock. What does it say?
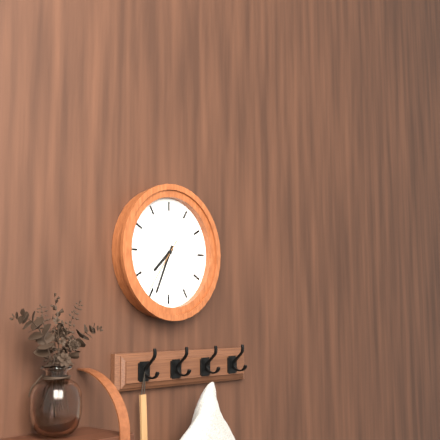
7:34:36
